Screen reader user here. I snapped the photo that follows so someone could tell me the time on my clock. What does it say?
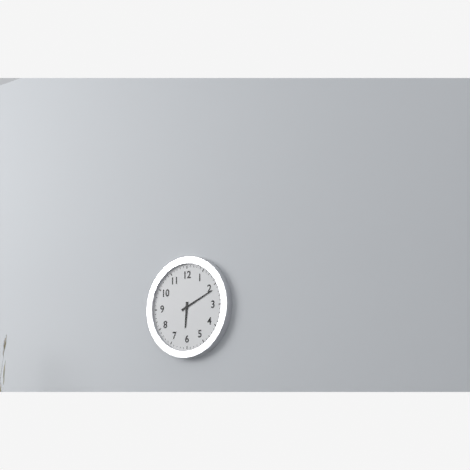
6:11
